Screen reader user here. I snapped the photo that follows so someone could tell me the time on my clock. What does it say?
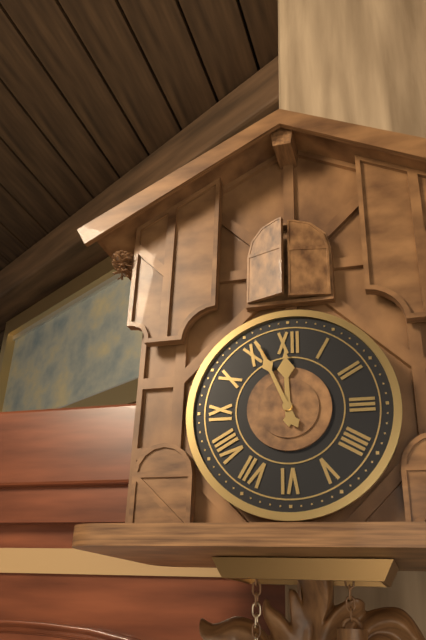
11:56
